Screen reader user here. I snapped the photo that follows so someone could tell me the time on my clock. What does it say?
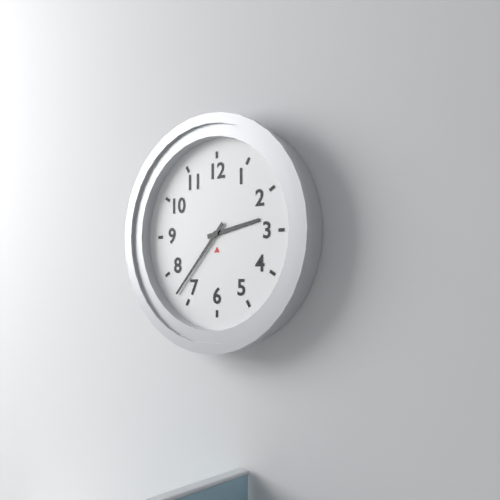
2:37
